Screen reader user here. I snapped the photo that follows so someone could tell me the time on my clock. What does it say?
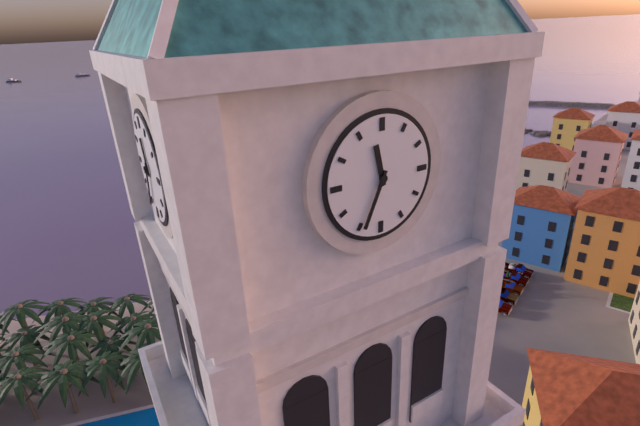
11:34
